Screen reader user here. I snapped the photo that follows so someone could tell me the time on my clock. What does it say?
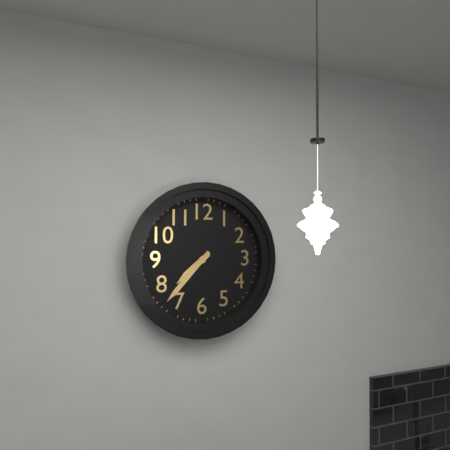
7:37
